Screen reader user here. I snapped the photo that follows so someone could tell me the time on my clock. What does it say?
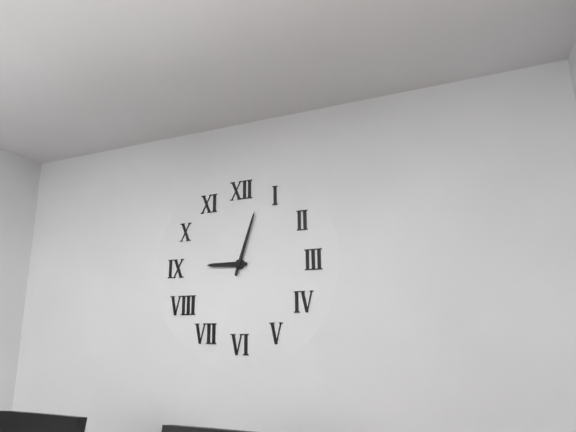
9:03
